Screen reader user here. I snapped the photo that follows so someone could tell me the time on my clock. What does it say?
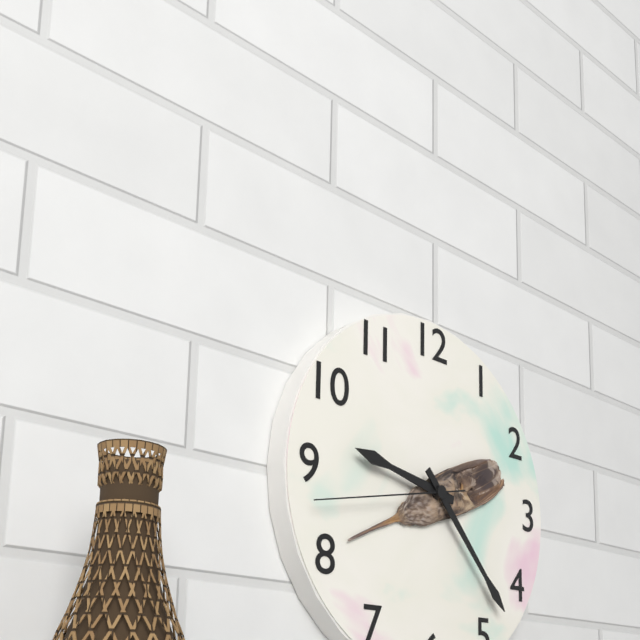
9:23:43
